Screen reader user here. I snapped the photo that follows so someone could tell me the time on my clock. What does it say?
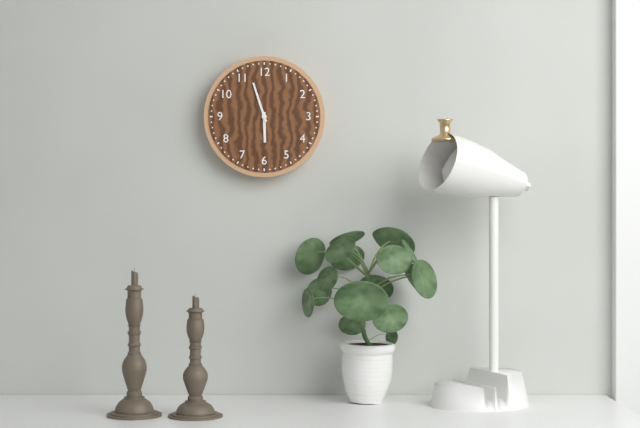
5:57
